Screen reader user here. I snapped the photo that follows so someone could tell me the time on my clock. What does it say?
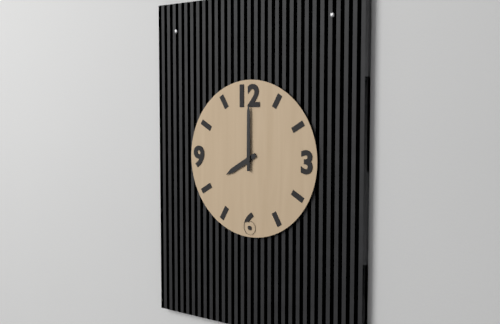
8:00
